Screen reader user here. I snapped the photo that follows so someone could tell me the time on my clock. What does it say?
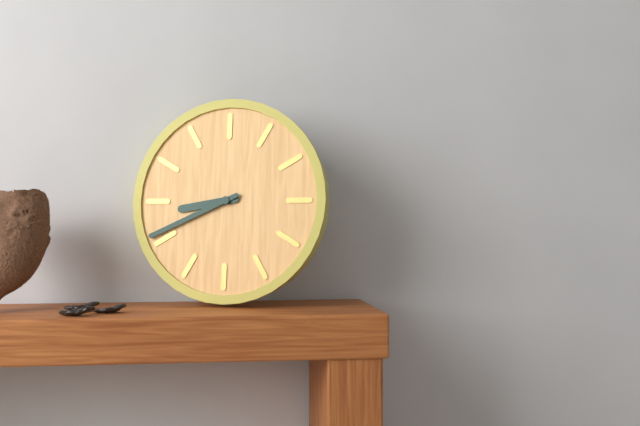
8:41
